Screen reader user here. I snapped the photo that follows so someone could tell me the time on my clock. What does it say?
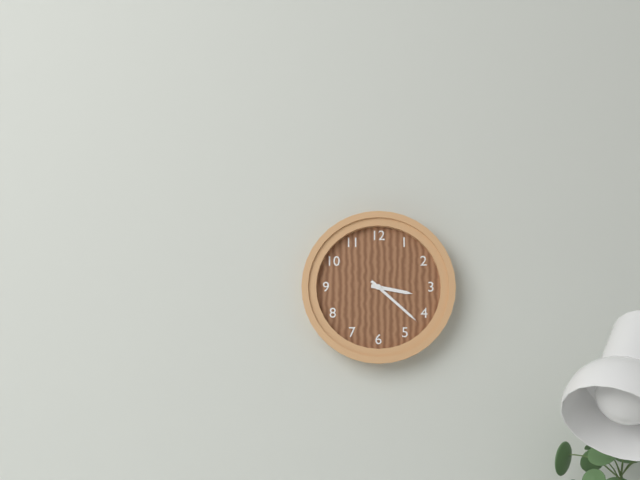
3:22
